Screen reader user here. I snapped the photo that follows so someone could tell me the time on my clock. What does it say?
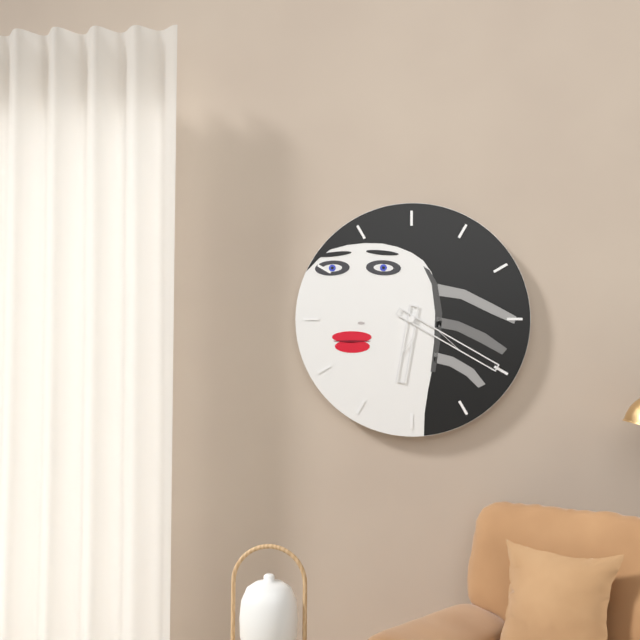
6:20
